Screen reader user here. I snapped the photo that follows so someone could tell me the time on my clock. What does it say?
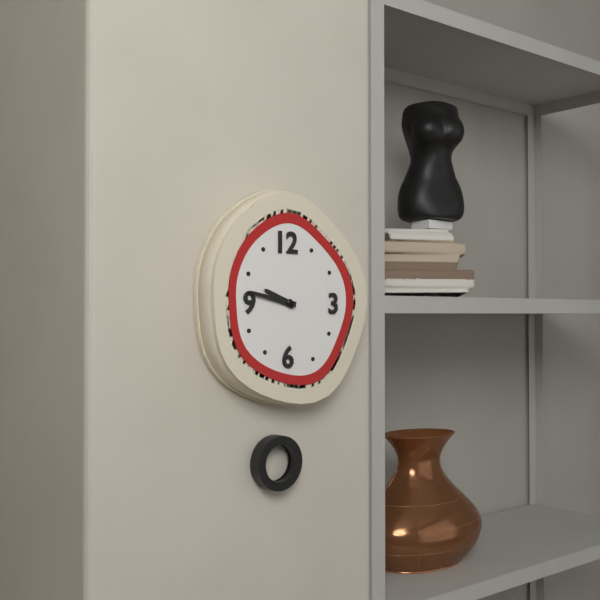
9:47
